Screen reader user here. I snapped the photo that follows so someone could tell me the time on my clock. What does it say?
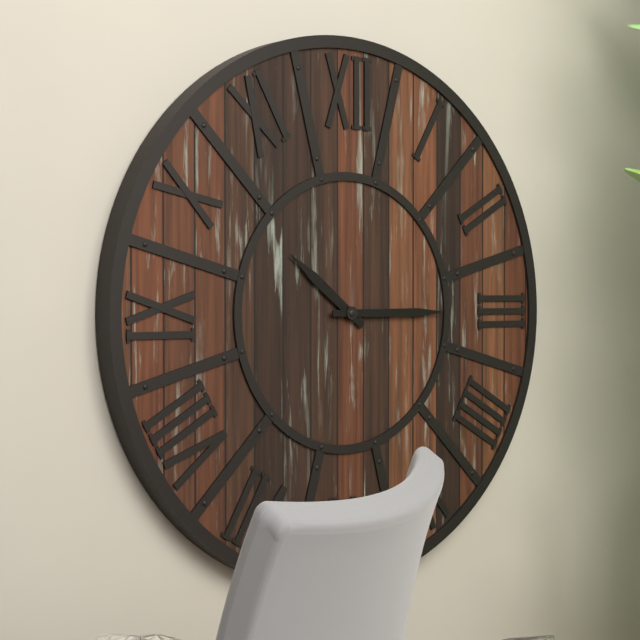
10:15
